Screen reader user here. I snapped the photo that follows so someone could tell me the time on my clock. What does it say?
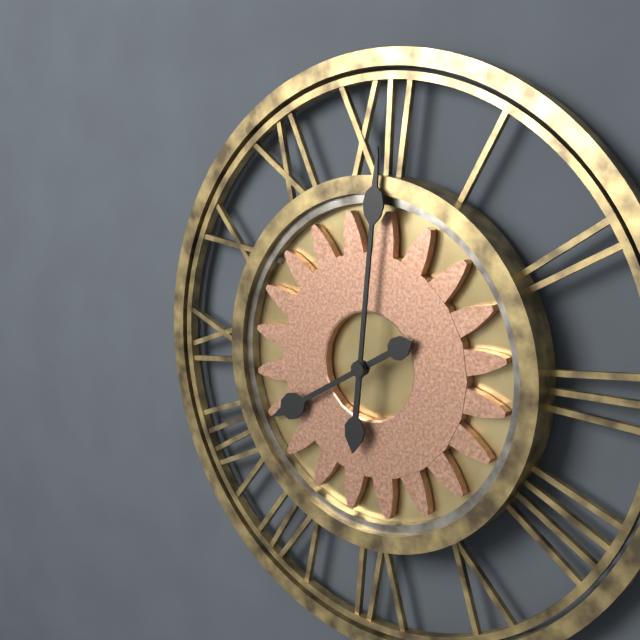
8:01
